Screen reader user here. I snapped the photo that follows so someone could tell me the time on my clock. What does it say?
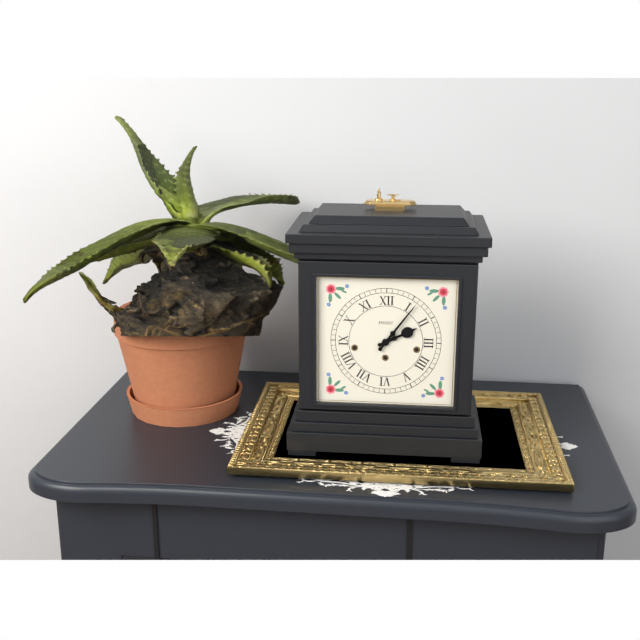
2:06
